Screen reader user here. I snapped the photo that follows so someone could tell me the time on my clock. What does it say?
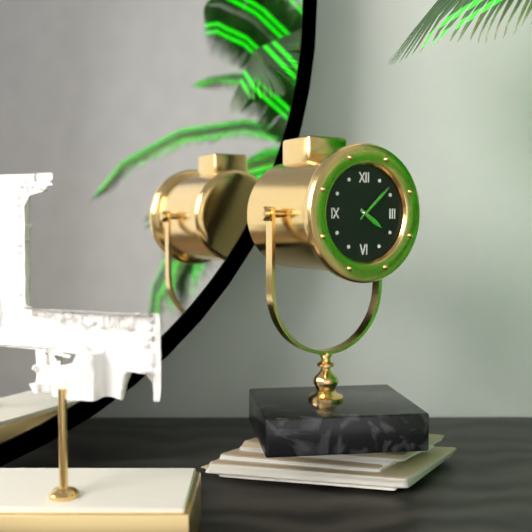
4:08
